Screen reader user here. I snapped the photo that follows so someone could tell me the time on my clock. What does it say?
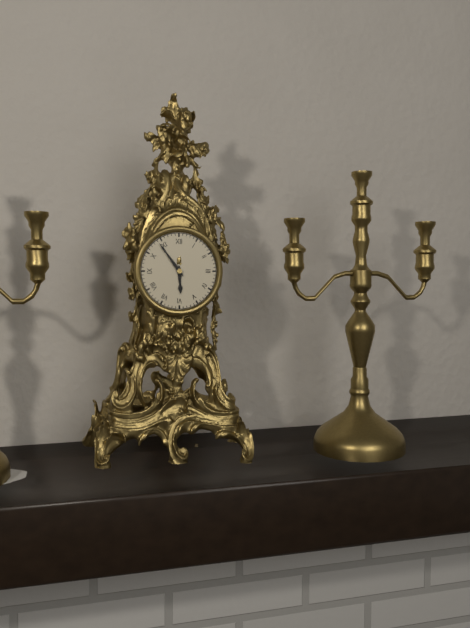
5:54
